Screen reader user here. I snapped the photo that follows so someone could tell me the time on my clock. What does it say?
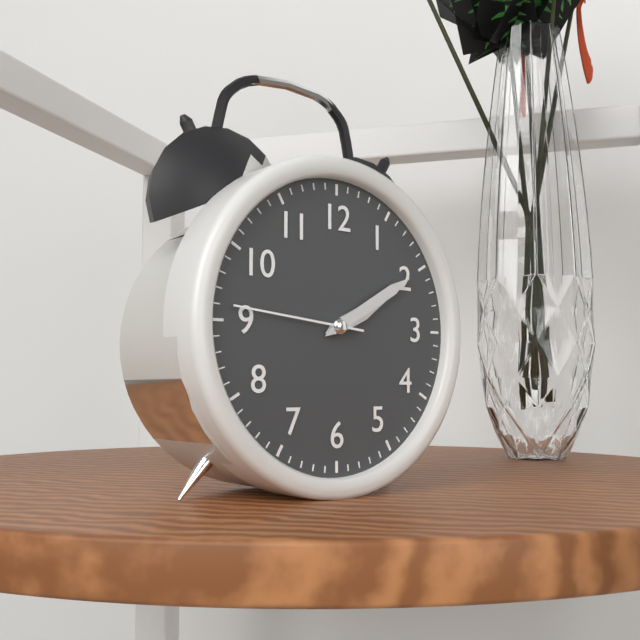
2:10:46
